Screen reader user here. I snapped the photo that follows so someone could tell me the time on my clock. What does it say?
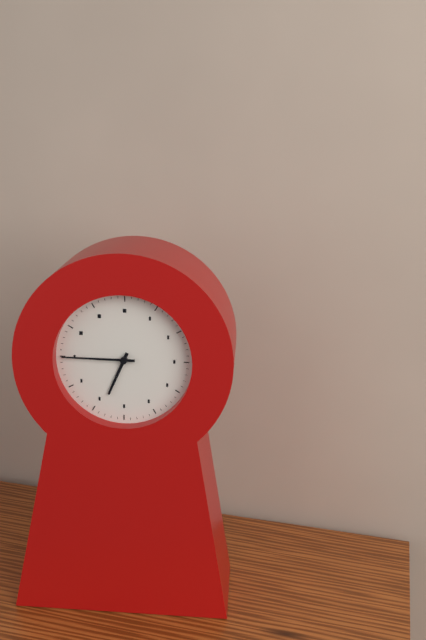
6:45
